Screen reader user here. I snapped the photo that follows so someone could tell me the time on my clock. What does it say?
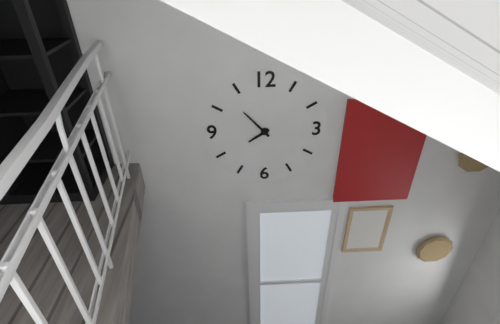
7:53
